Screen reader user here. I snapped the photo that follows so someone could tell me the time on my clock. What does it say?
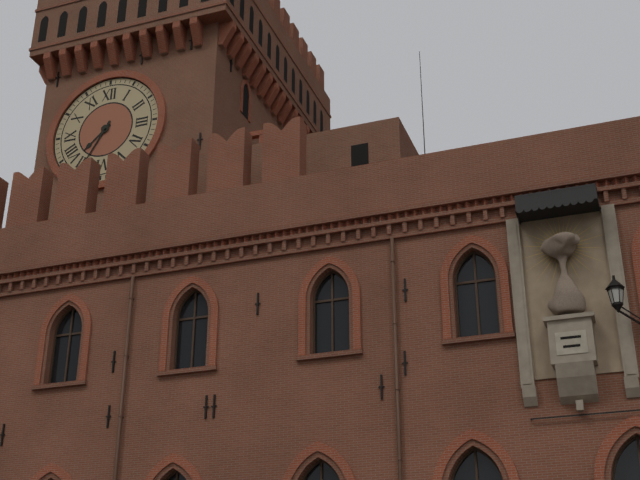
7:35
